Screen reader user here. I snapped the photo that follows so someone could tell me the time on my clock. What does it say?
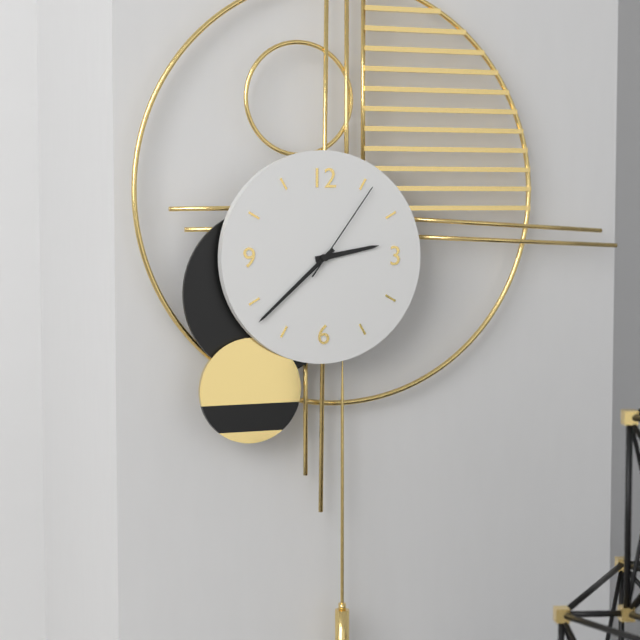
2:38:06
